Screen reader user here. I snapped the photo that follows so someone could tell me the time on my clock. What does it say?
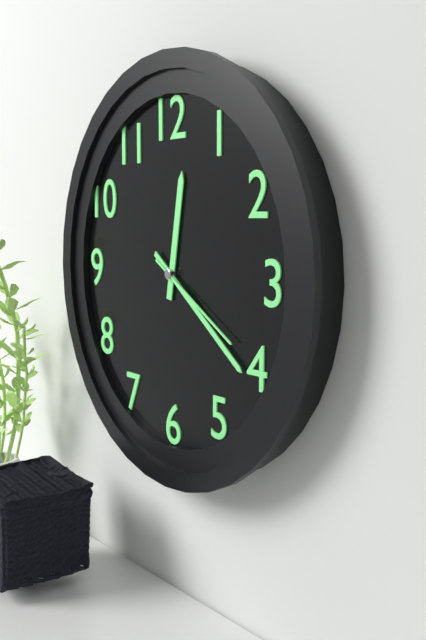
12:21:20
